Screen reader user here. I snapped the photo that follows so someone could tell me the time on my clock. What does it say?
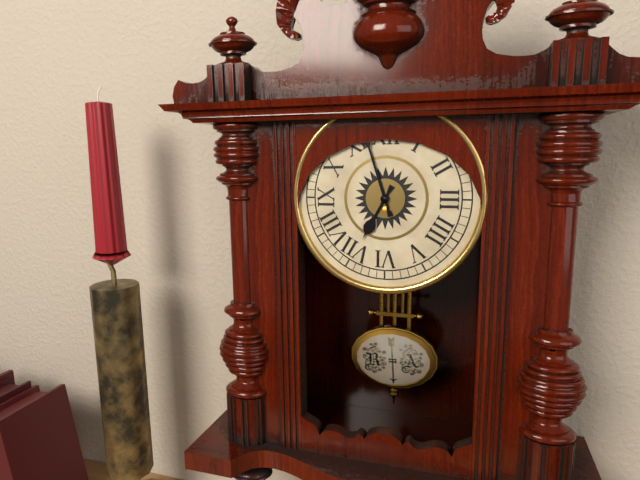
6:57
